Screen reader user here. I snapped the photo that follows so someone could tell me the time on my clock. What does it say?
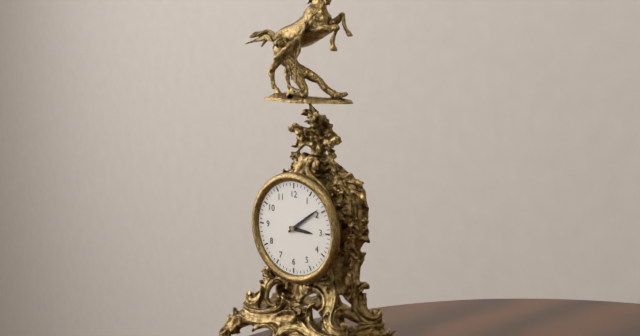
3:09
